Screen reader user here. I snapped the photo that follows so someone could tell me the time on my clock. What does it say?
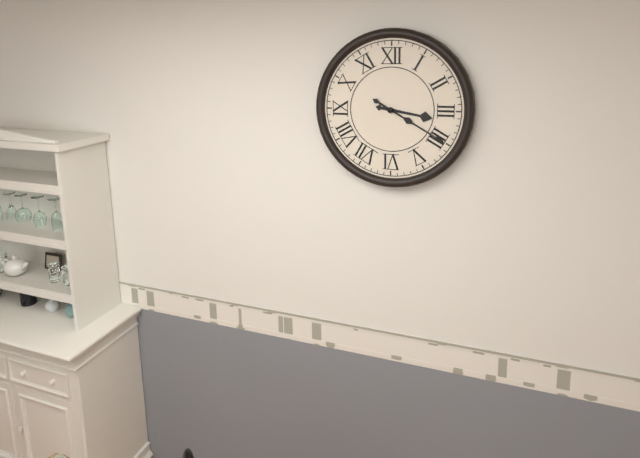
3:20
